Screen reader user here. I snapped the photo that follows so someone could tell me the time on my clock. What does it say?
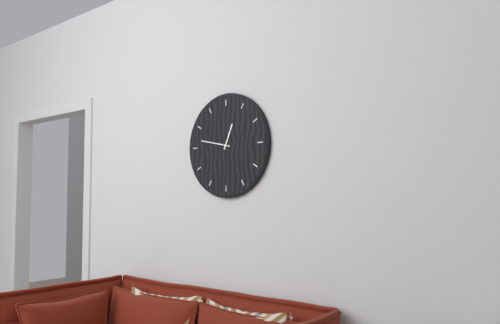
12:47
